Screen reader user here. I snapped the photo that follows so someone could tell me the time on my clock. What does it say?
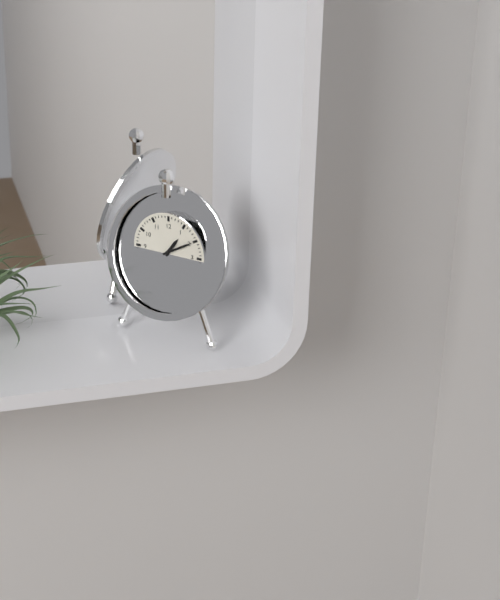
1:10
